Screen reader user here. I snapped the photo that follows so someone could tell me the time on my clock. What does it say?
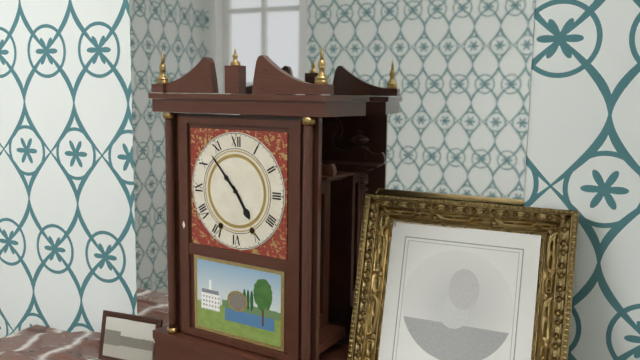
4:53
